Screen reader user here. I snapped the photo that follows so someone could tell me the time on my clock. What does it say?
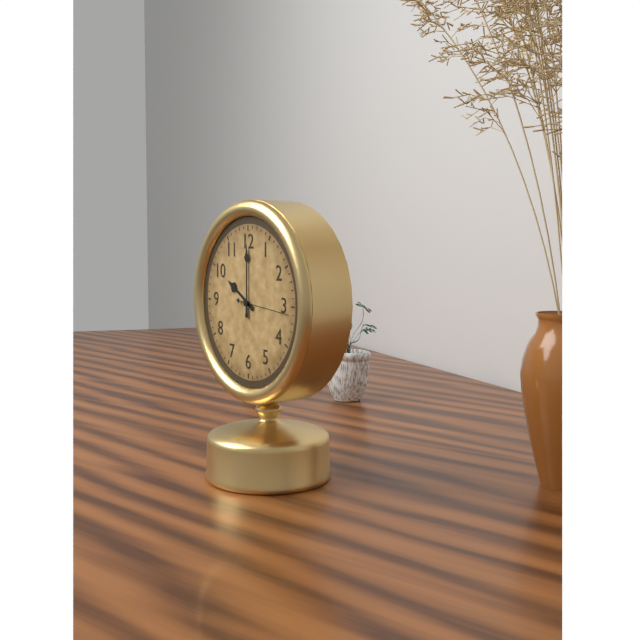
10:00:16
